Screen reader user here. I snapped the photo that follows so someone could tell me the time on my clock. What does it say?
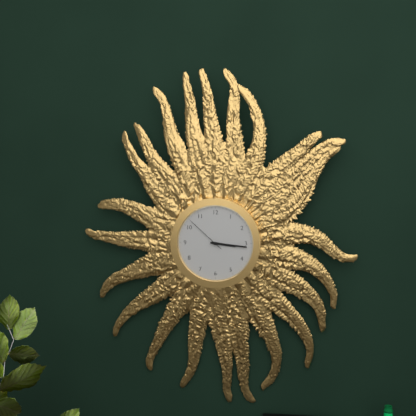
3:16
